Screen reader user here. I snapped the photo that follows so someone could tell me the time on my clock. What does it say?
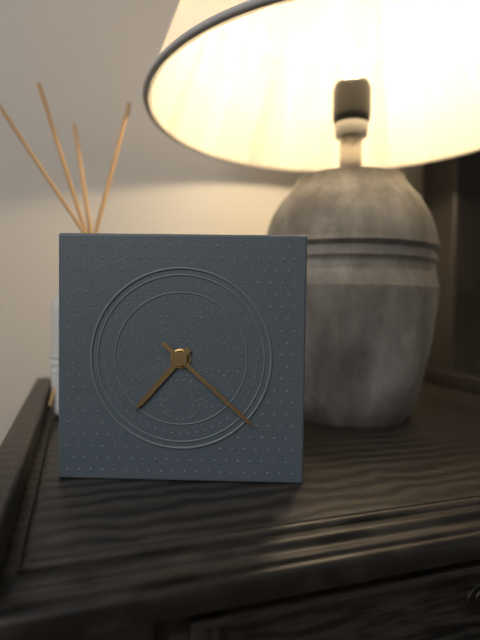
7:22
